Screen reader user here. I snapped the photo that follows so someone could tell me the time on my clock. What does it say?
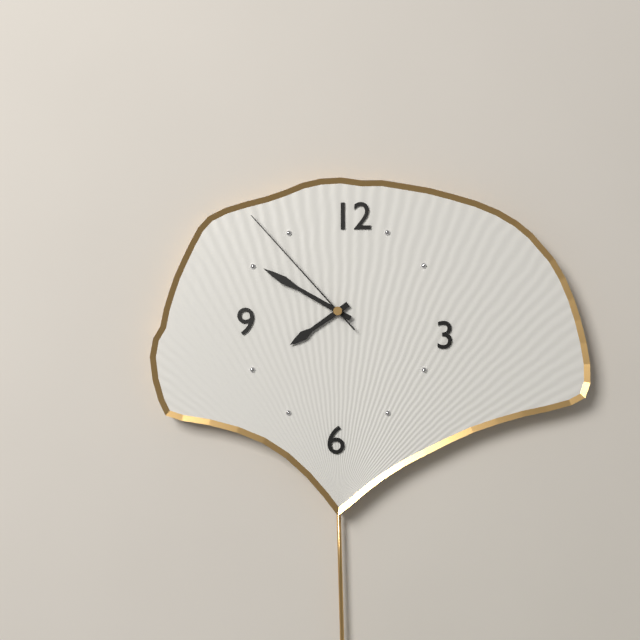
7:50:53
